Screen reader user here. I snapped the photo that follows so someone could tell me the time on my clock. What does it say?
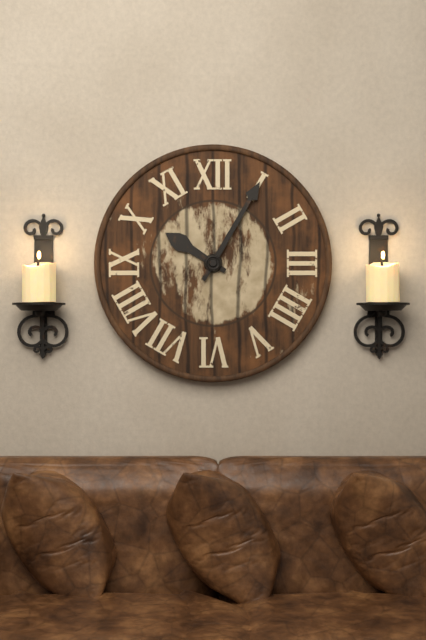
10:05
